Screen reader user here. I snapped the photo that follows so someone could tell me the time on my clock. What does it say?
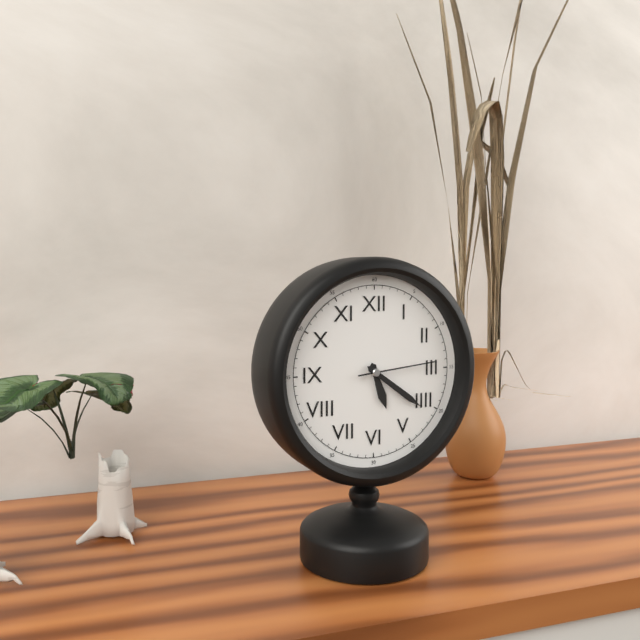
5:21:14
